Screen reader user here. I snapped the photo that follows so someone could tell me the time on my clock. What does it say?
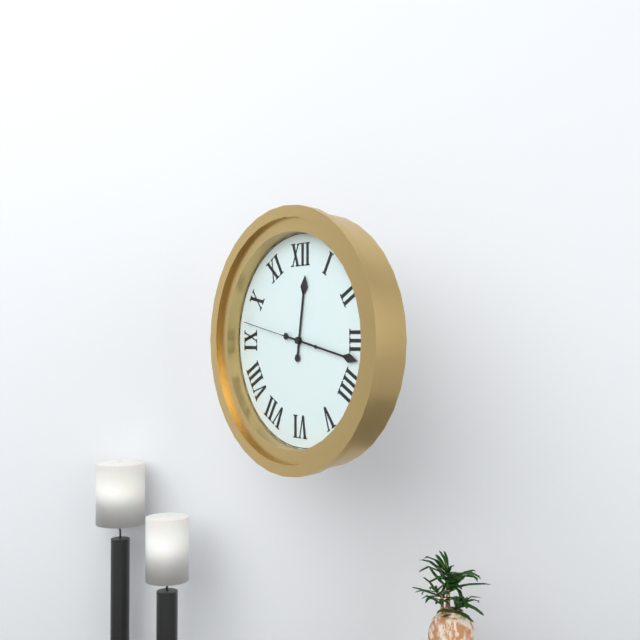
12:17:47
